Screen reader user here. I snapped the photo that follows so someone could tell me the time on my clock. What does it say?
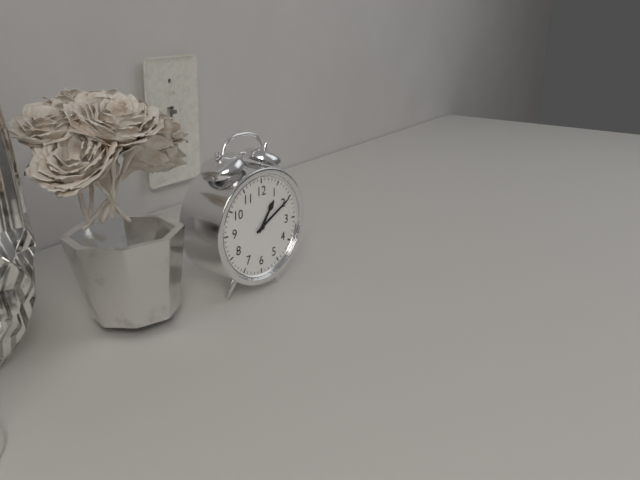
1:10
